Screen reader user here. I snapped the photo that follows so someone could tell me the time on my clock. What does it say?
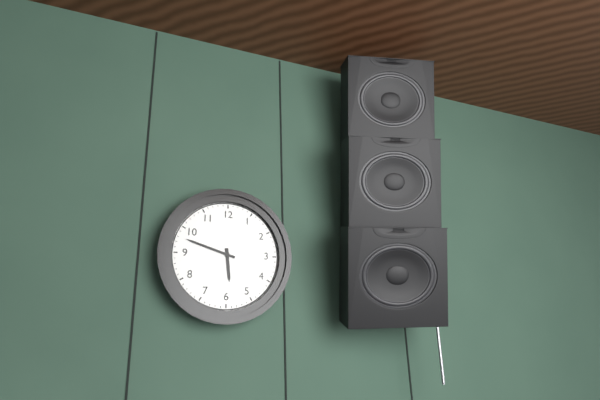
5:48
